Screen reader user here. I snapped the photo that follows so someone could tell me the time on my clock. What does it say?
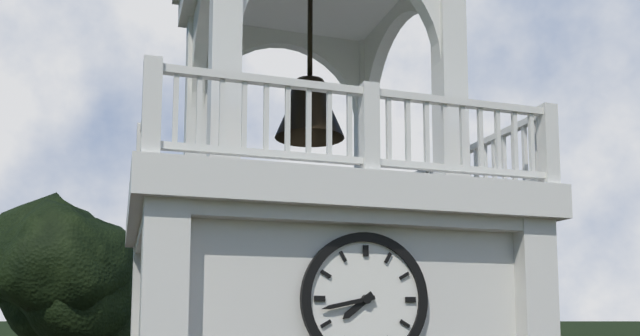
7:43
